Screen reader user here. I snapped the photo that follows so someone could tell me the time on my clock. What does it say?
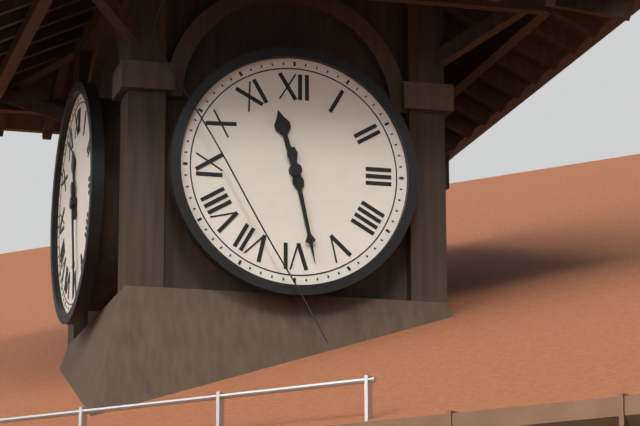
11:28
